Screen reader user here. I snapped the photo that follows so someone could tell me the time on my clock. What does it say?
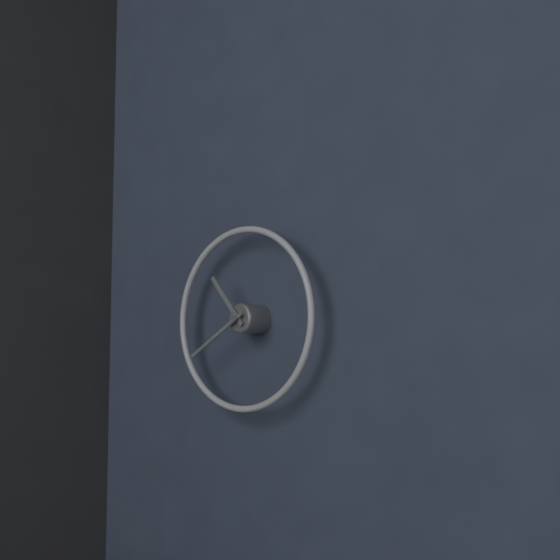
10:40
